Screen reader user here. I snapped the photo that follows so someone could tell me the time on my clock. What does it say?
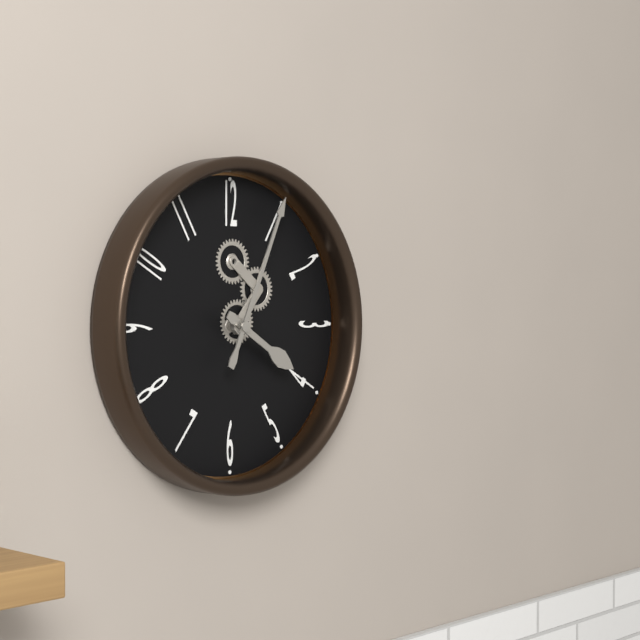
4:04
